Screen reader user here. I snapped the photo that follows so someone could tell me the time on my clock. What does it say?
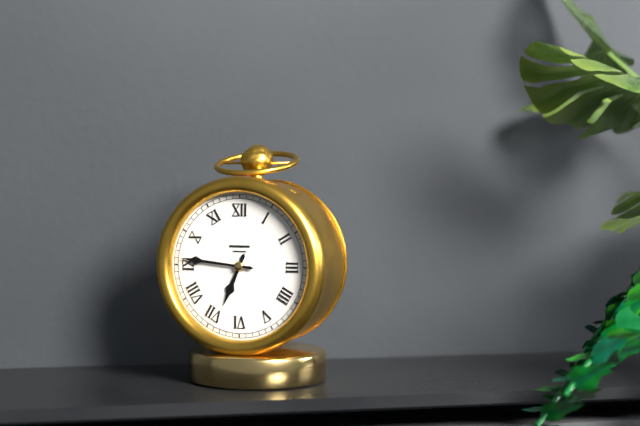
6:46
